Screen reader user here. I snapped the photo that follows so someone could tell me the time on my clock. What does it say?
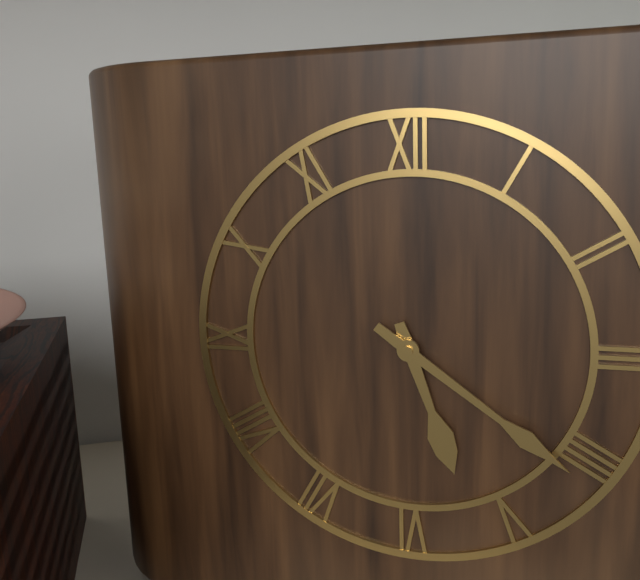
5:21
